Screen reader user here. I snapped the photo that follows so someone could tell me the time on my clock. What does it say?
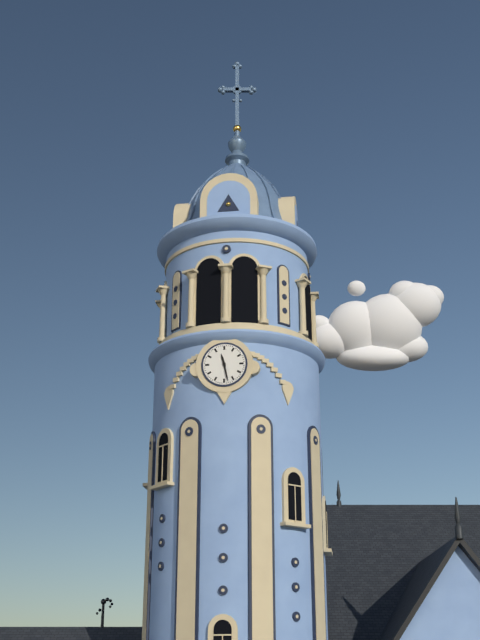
11:28
